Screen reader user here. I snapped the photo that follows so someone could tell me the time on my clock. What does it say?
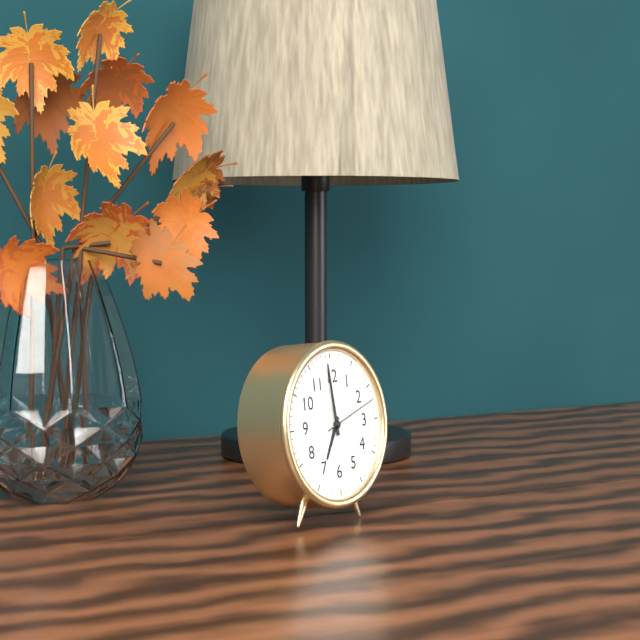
6:59:12
